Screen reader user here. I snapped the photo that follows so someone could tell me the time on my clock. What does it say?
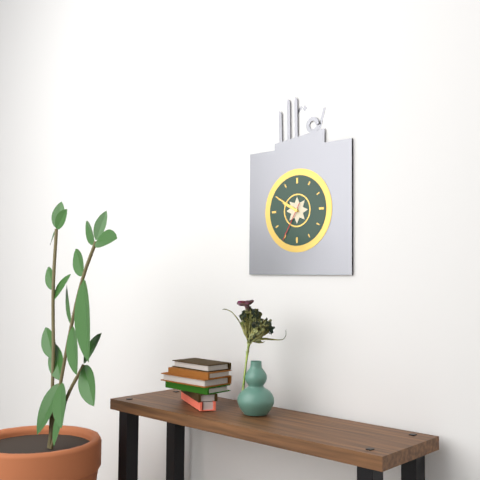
9:50
